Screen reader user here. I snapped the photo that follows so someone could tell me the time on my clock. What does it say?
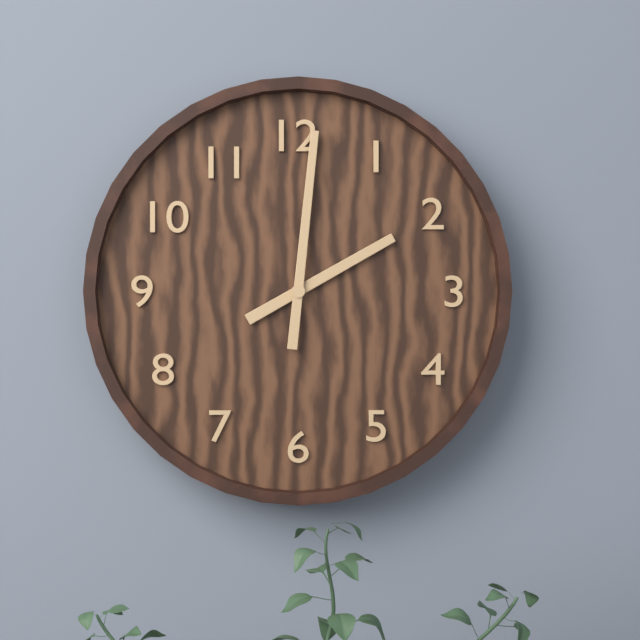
2:01
